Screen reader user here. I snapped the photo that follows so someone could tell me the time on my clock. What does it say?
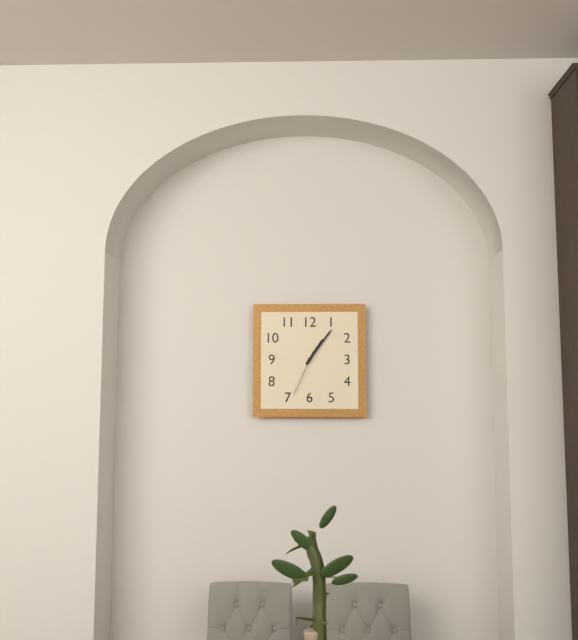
1:06:34
